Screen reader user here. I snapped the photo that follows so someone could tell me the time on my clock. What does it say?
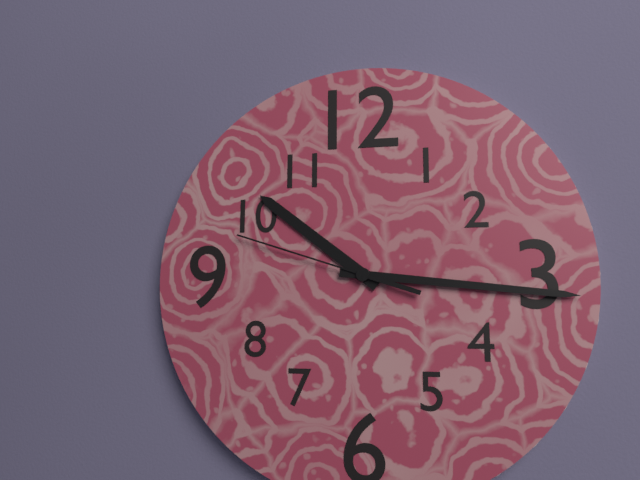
10:16:48
